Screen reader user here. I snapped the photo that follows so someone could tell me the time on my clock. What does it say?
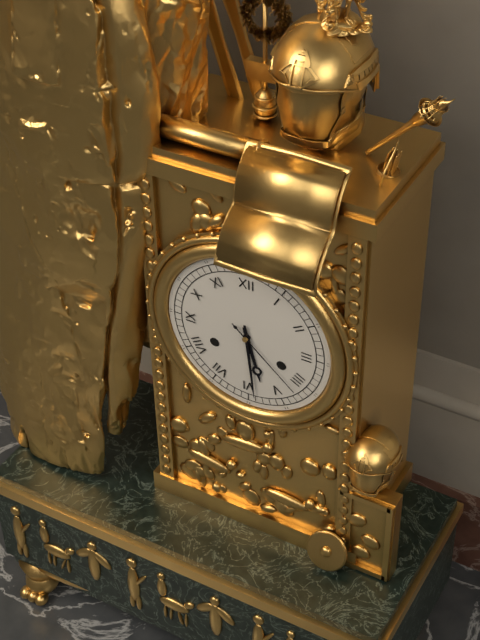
5:29:22
